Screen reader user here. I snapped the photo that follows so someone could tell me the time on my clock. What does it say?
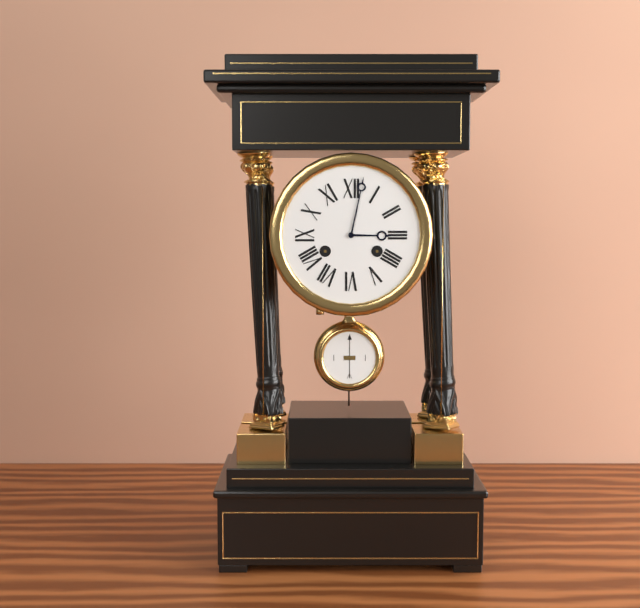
3:02
